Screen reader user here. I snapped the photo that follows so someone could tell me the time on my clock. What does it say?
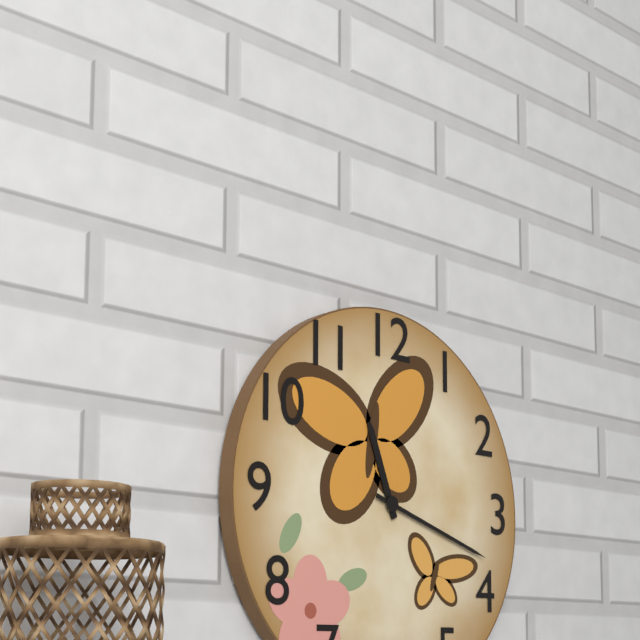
11:18
